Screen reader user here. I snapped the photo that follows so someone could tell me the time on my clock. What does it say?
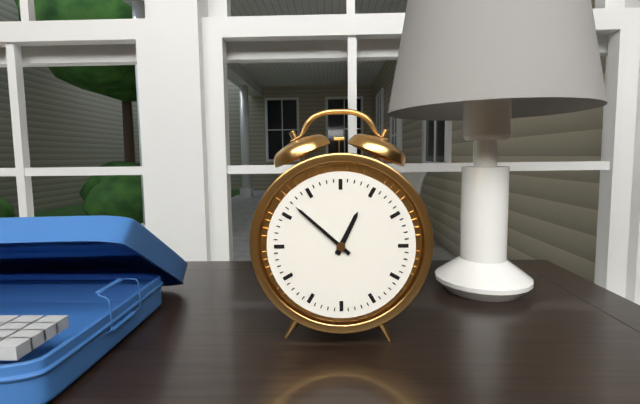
12:52
